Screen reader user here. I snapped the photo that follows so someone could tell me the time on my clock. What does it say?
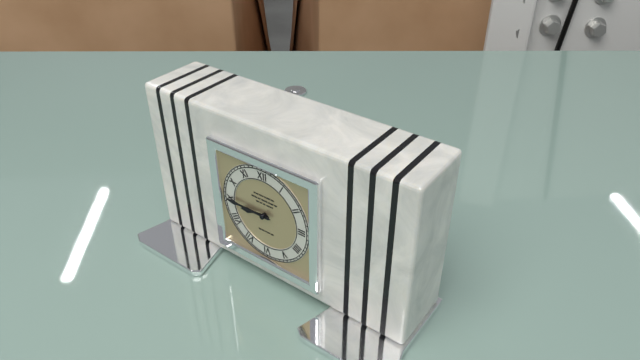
8:45
